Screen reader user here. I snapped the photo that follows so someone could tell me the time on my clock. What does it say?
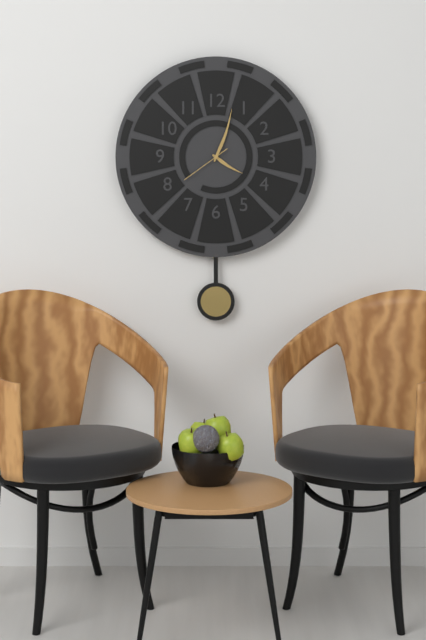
4:03
